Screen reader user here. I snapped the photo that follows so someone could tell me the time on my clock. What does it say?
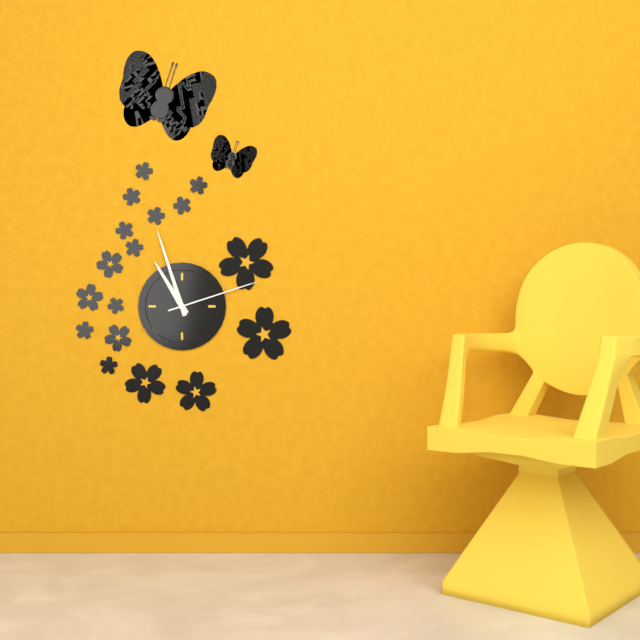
10:57:12
